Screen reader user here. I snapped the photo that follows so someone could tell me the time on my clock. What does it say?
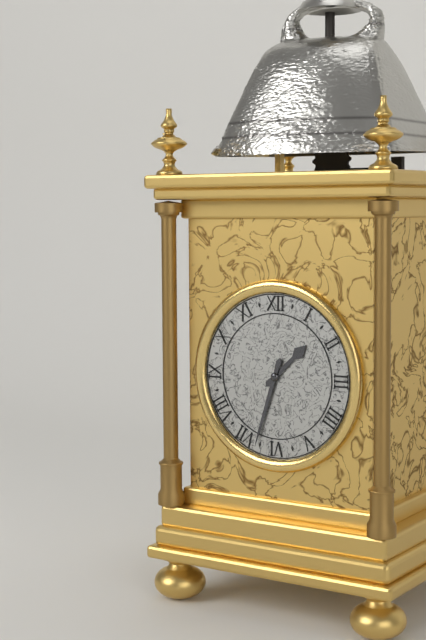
1:33
